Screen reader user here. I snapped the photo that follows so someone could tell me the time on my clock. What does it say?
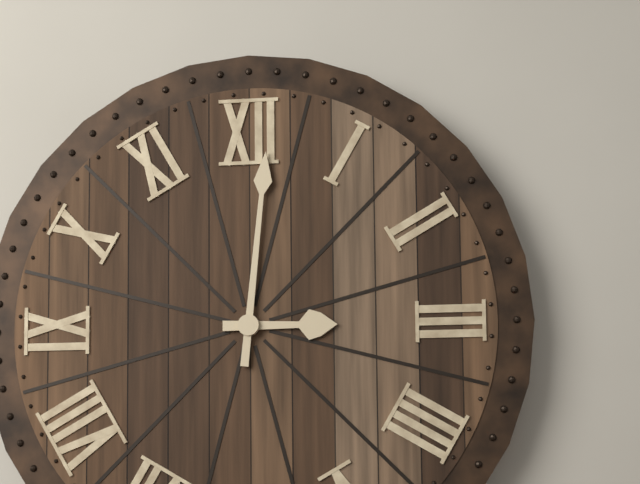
3:01
